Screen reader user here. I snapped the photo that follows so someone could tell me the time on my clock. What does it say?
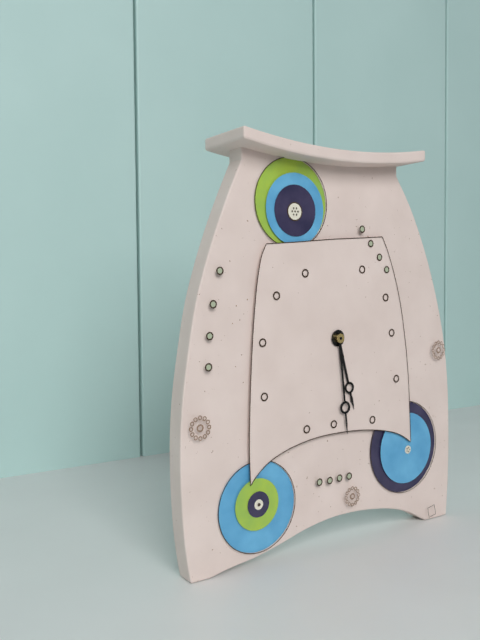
5:29
